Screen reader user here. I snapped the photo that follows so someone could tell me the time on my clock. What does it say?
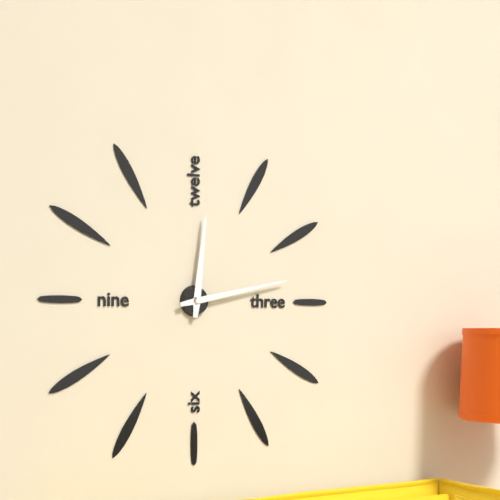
12:13
